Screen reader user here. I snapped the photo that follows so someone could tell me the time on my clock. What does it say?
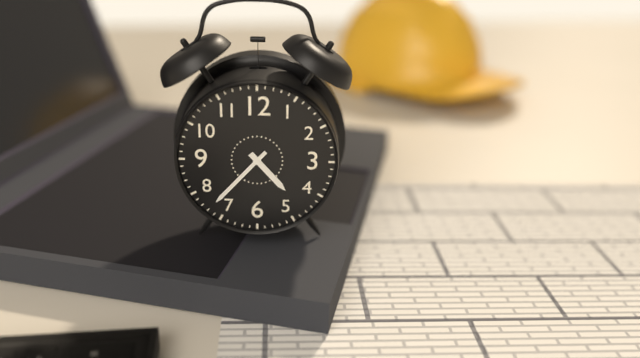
4:37
